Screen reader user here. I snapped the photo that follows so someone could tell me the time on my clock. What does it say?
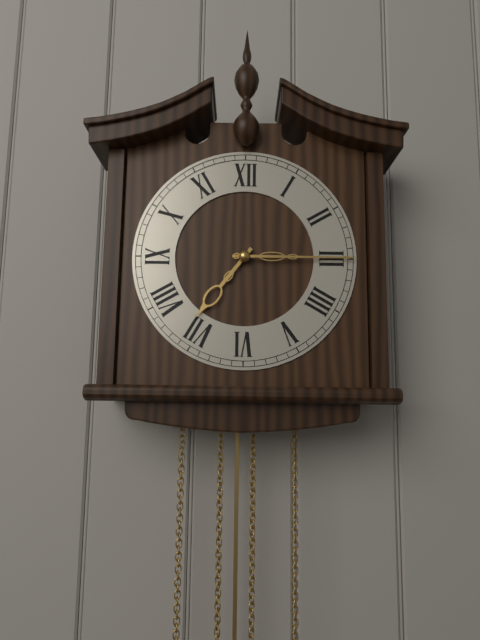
7:15
